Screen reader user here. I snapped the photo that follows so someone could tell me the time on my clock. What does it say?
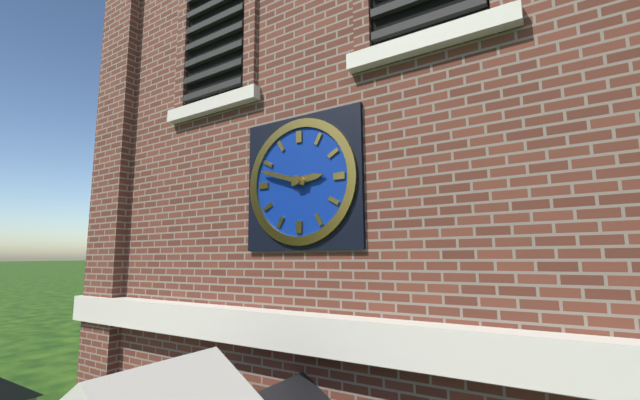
2:48
